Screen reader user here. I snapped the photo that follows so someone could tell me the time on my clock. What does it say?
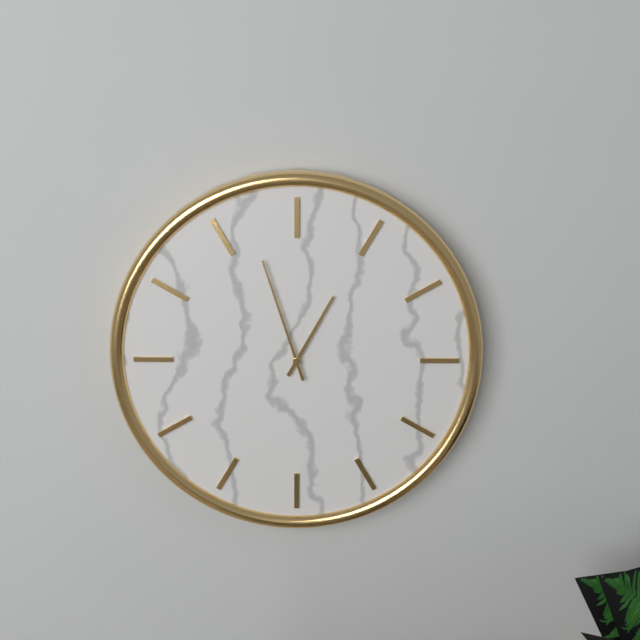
12:57
